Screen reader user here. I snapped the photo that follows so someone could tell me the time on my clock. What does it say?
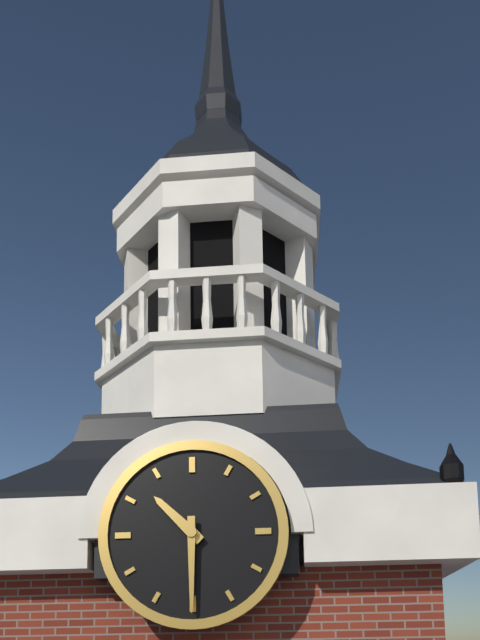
10:30
